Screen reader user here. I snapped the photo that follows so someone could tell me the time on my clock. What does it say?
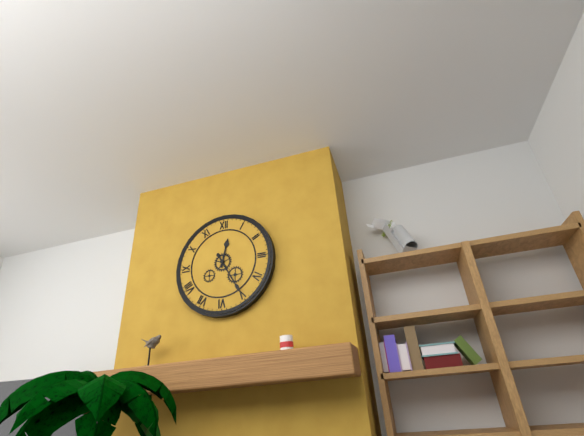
12:25
